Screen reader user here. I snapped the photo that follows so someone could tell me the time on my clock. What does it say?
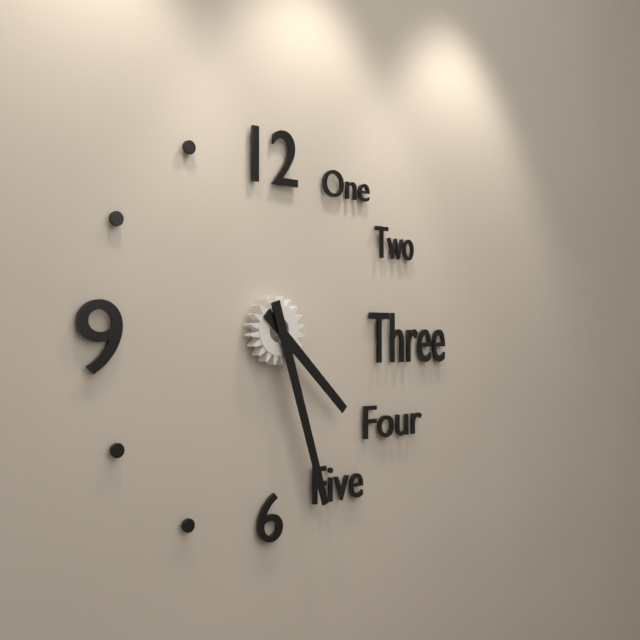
4:27
